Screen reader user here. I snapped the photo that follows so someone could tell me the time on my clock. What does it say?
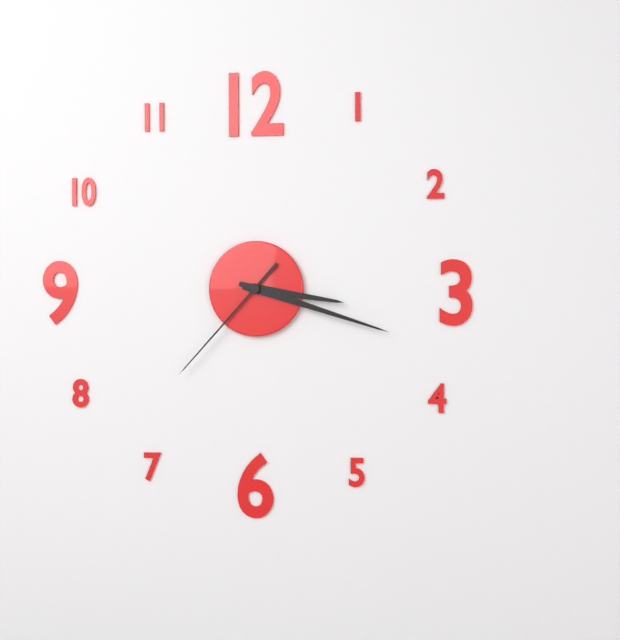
3:18:37
